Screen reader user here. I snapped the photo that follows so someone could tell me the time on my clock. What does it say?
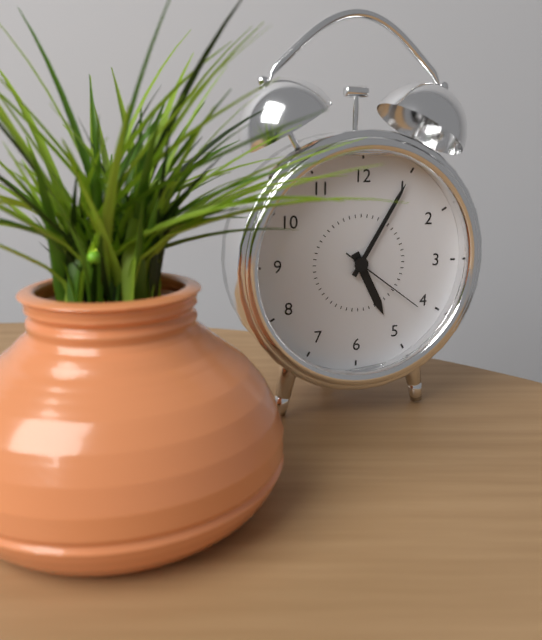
5:05:21
